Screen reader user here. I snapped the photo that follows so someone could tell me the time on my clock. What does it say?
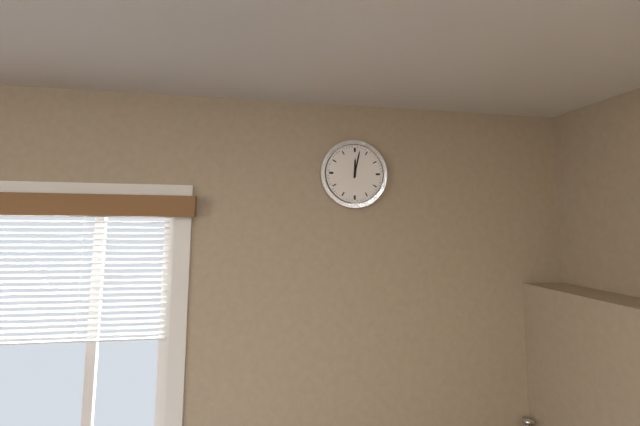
12:02
